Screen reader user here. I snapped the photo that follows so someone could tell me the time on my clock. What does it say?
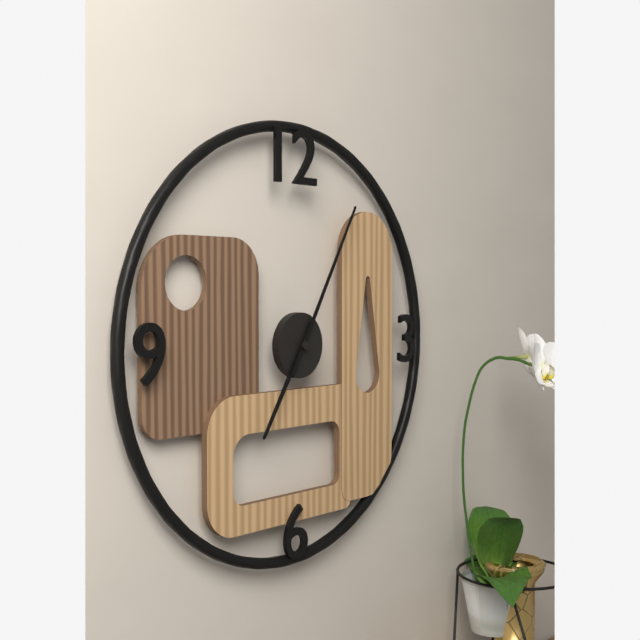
7:05
